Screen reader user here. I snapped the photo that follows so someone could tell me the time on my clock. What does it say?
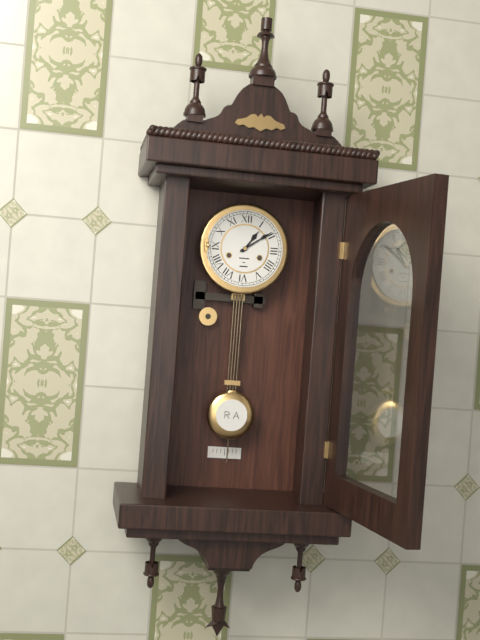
1:09
